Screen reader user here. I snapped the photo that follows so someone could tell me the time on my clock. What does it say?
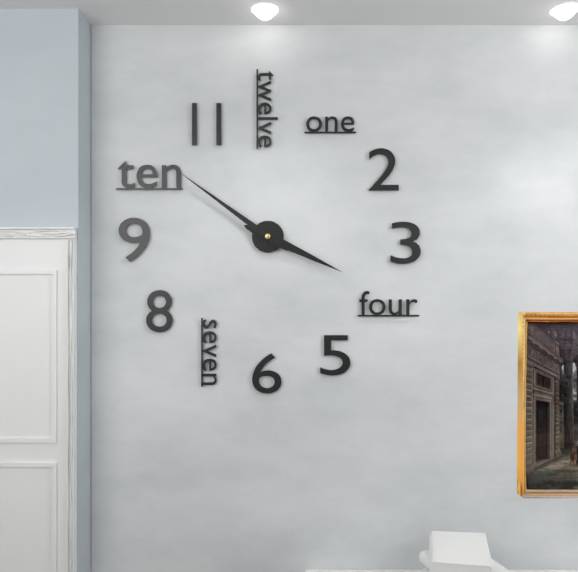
3:51
